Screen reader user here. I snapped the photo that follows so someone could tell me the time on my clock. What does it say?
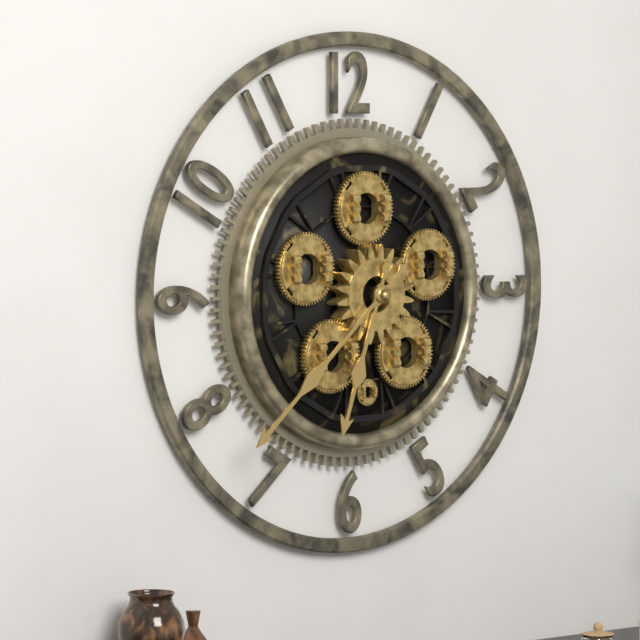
6:38
